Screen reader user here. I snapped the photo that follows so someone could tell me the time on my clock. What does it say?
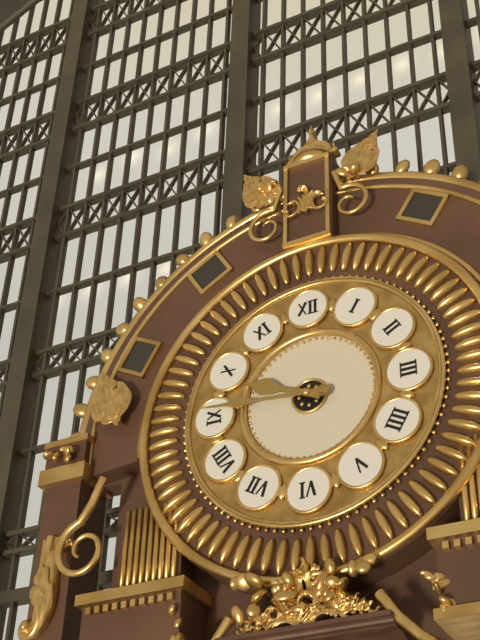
9:46
